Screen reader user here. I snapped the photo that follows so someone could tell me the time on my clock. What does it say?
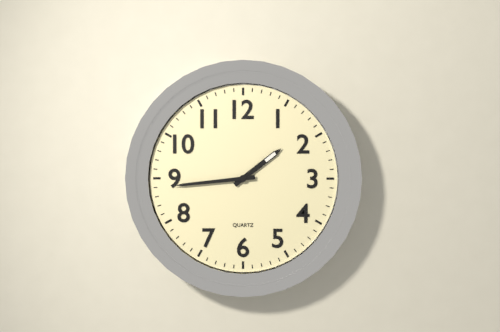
1:44
